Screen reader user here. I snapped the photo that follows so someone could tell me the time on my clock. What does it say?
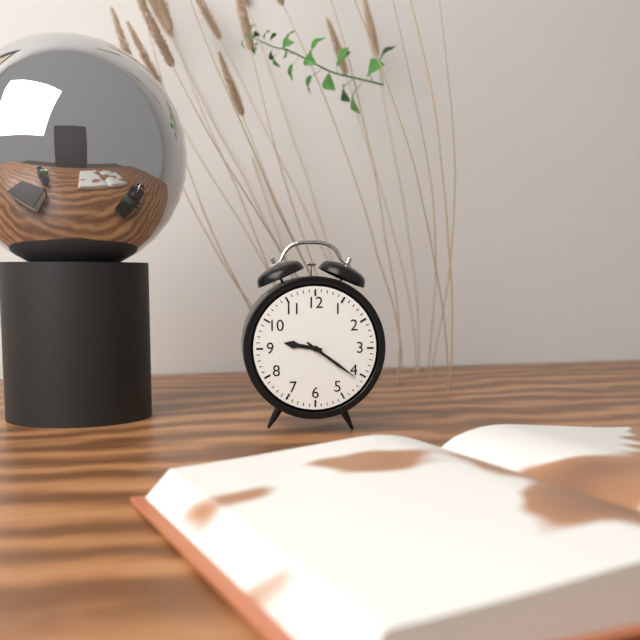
9:21
